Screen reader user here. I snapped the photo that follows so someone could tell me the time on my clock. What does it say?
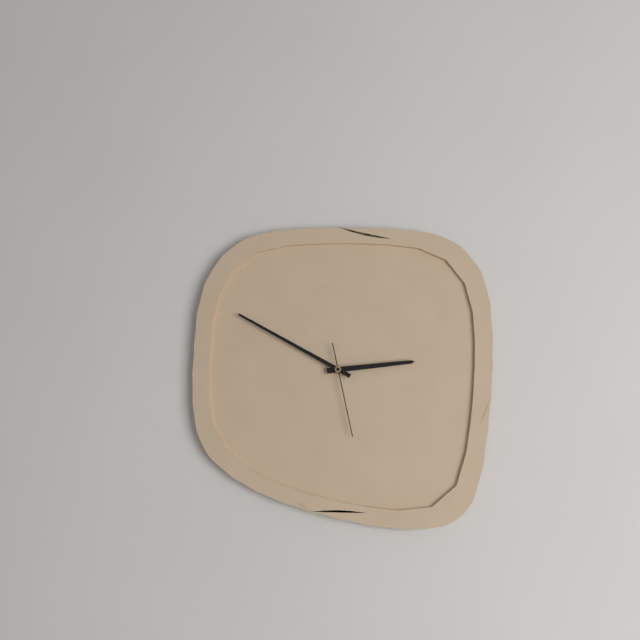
2:50:28
